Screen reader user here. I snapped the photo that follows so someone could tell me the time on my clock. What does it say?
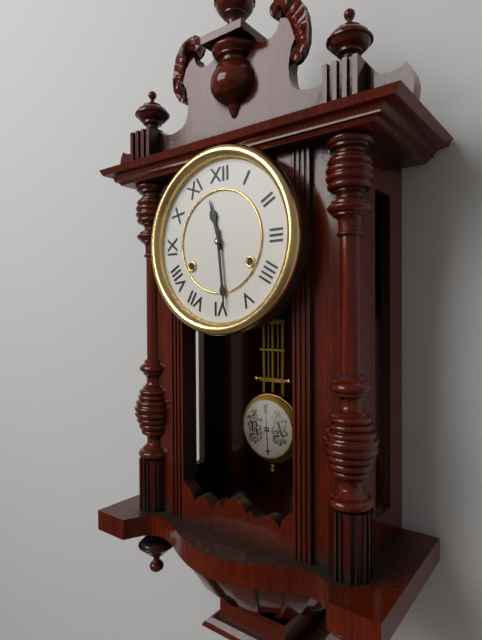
11:29
